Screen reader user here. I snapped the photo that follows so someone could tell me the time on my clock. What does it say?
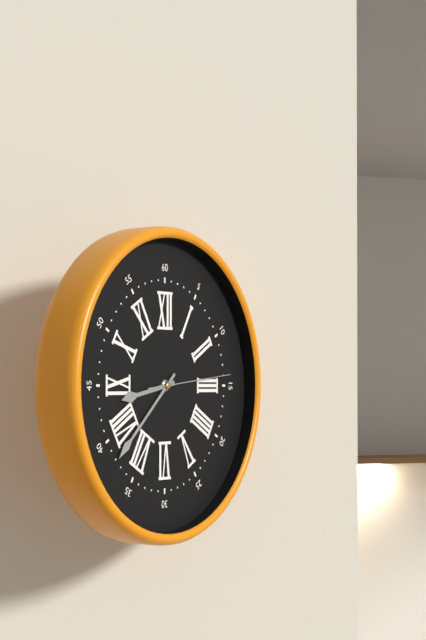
8:38:14
